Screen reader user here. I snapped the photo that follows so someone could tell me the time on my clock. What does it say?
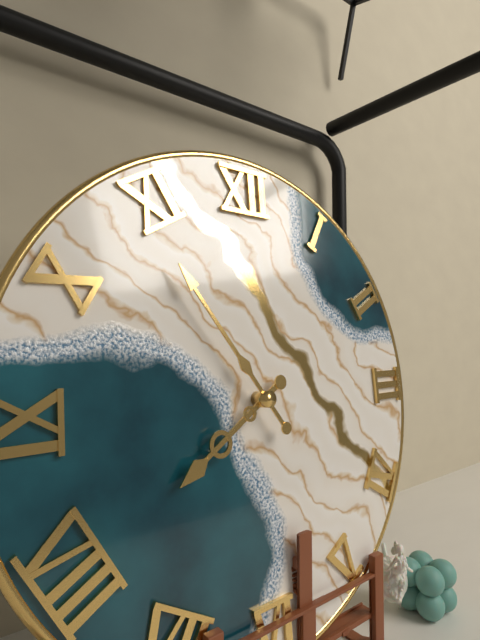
7:54
